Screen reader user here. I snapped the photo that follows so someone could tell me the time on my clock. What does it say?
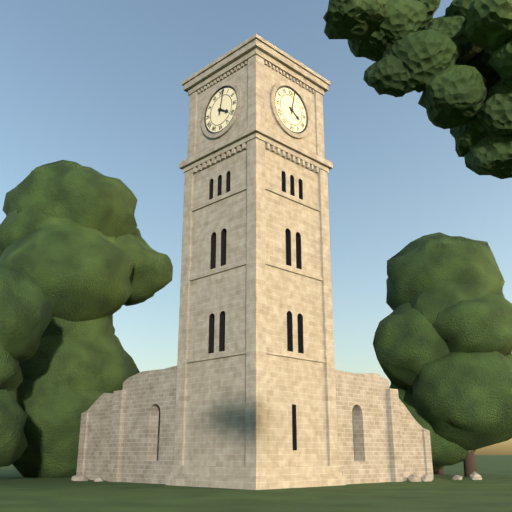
4:02
